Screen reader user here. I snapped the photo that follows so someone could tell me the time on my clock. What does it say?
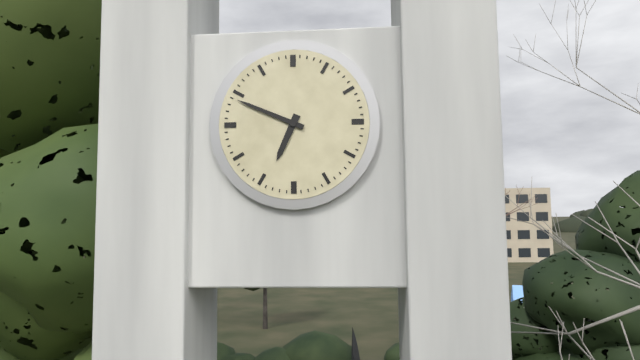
6:49
